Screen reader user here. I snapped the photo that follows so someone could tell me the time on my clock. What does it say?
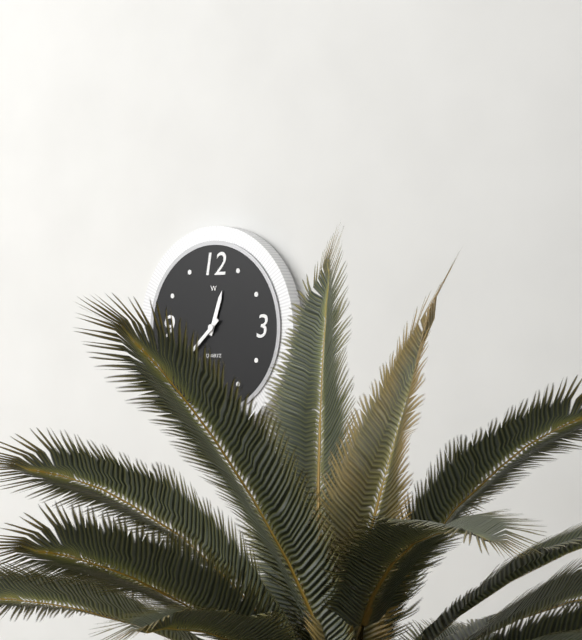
12:38
